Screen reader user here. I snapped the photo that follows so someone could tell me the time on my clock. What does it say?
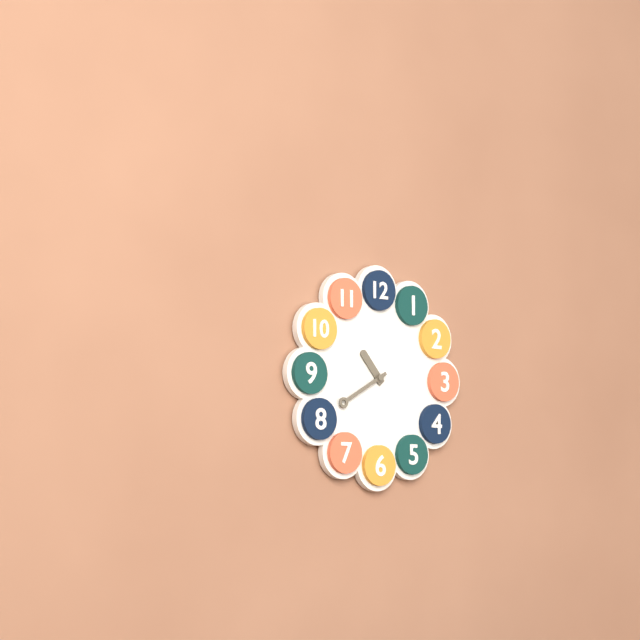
10:40
